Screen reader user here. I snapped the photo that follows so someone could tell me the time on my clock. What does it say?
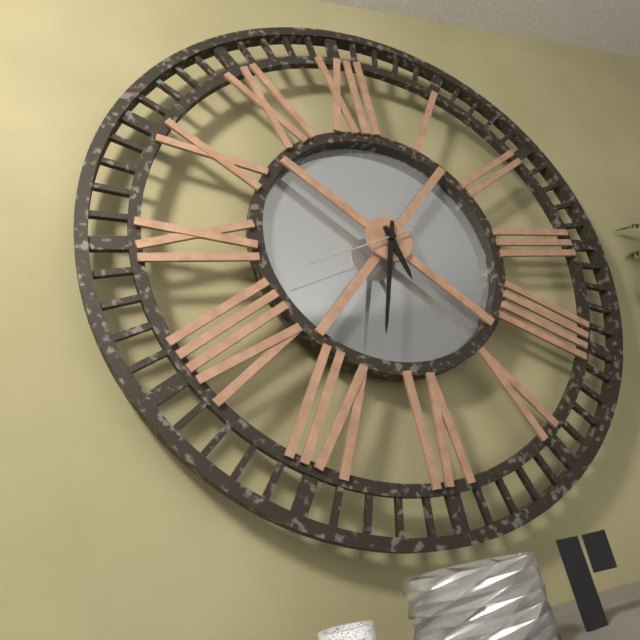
5:33:42
